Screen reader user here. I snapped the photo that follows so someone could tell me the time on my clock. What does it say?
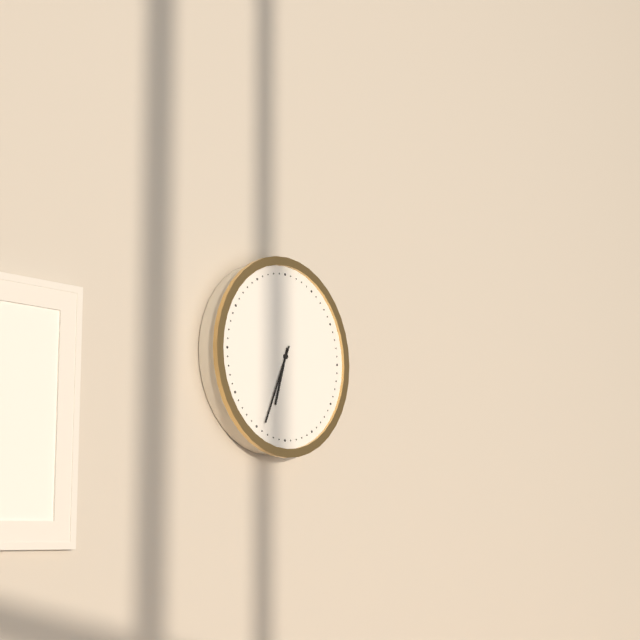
6:34
